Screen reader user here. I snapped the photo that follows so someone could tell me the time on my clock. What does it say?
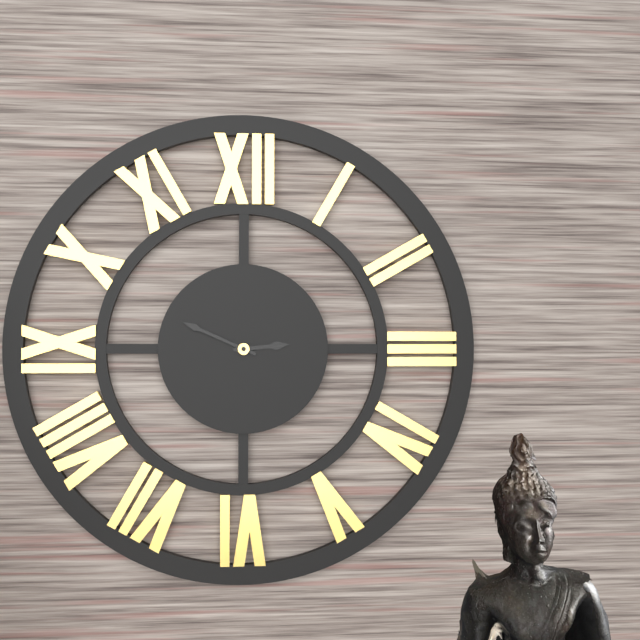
2:49
